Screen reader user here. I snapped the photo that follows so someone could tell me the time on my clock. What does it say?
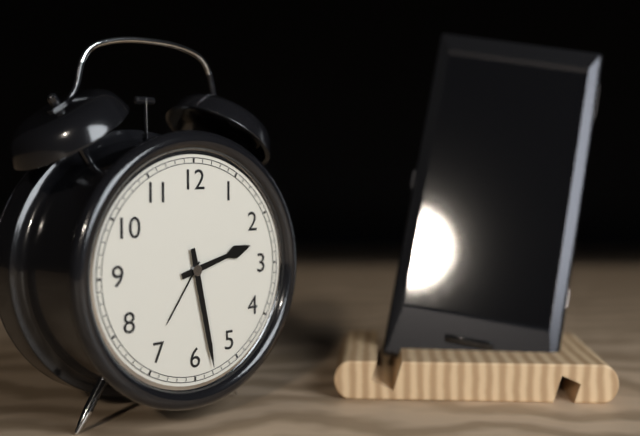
2:28
